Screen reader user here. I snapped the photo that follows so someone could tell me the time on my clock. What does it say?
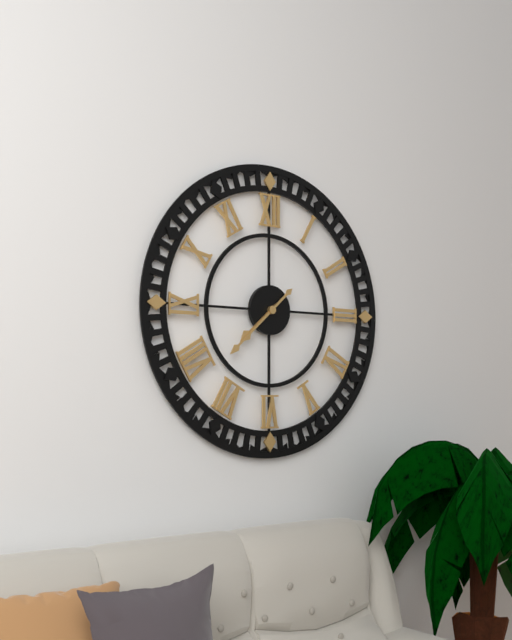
7:38
